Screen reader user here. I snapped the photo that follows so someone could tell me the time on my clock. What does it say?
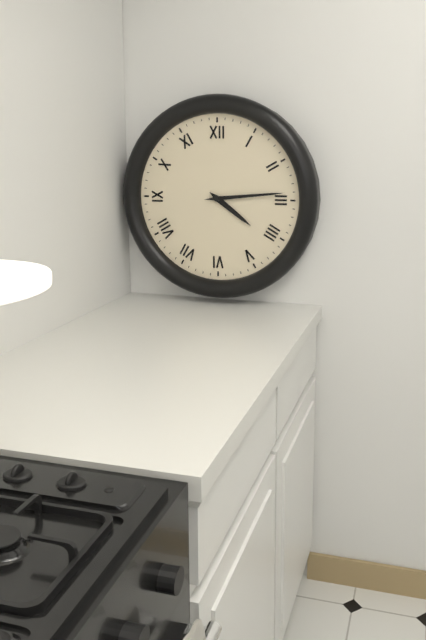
4:14
